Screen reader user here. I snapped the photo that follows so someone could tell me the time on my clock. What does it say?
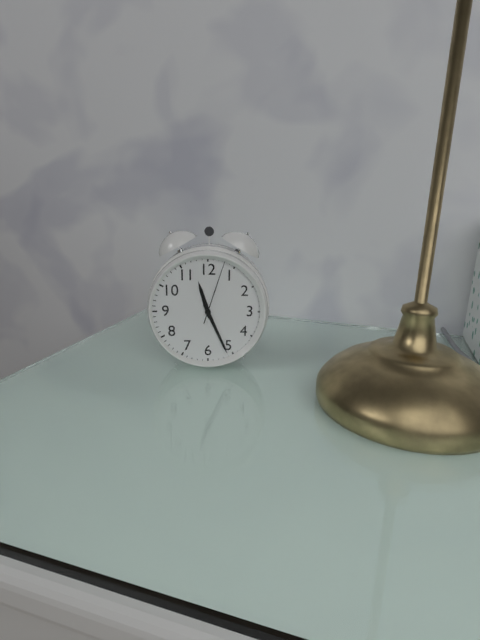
11:26:03
